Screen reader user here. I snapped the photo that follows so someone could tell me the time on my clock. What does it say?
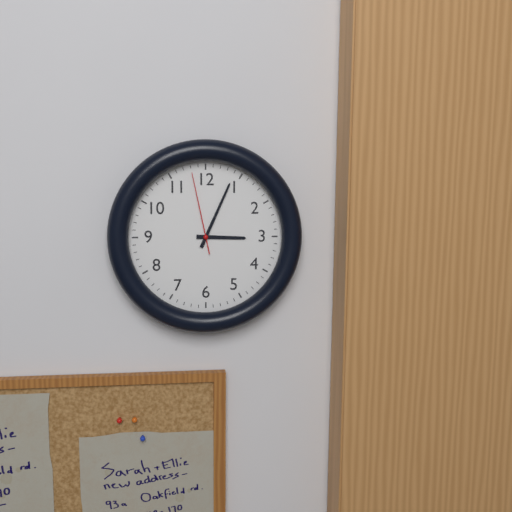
3:04:58
